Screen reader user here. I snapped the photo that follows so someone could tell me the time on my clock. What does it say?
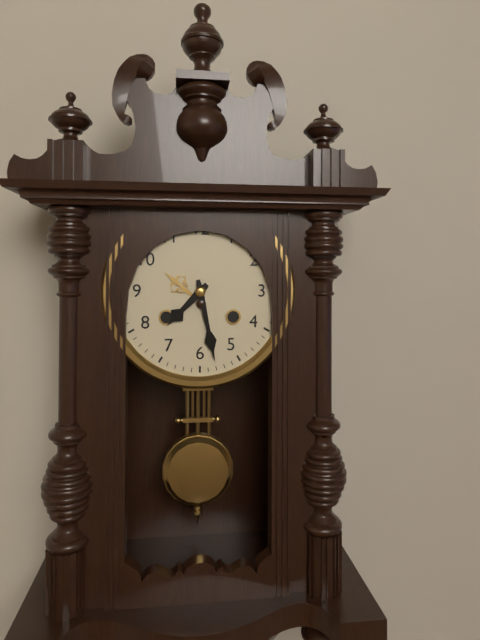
7:28
